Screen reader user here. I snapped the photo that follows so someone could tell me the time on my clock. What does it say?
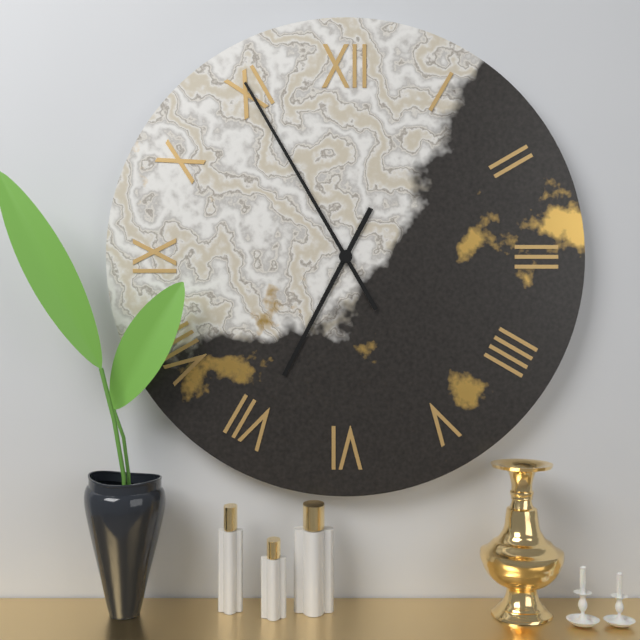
6:55
